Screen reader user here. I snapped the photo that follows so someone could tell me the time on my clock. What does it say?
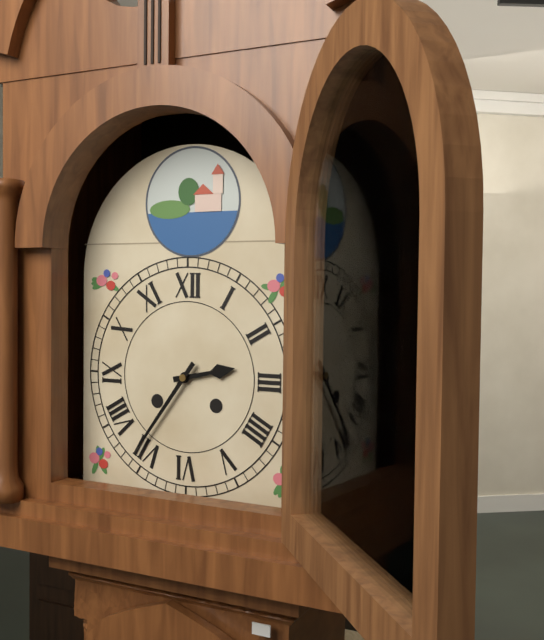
2:36
